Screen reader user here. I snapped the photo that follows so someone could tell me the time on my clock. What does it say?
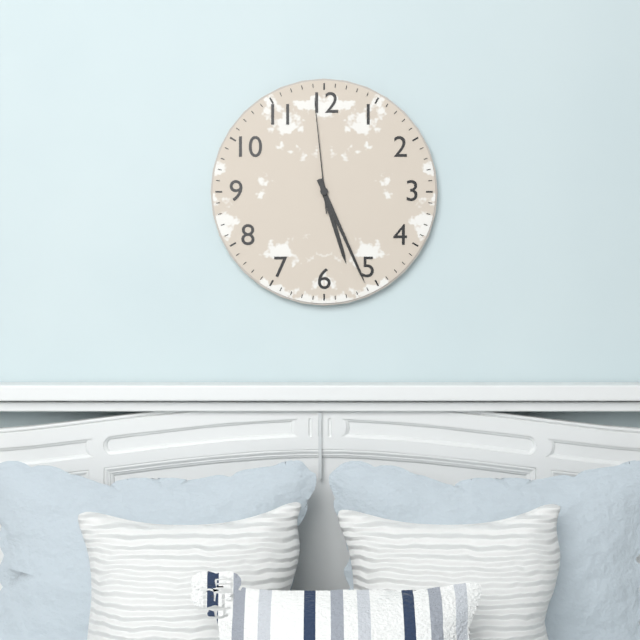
5:26:59
